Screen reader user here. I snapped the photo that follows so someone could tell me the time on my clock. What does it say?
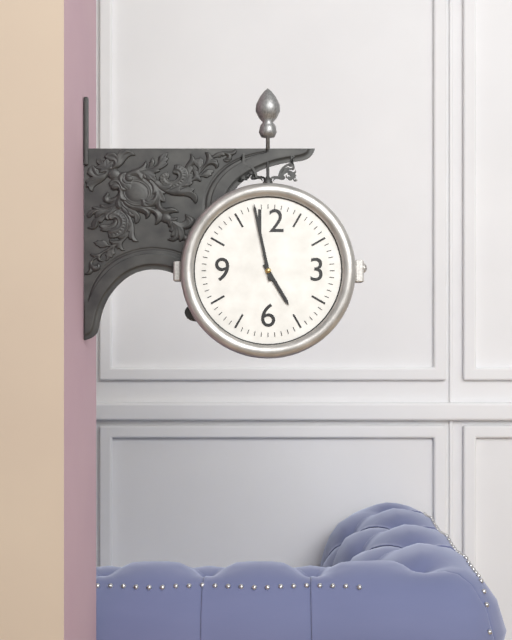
4:58
